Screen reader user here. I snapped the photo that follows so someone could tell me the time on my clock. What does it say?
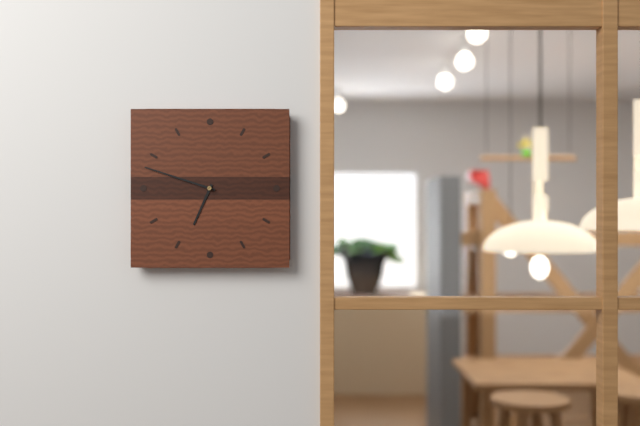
6:48
